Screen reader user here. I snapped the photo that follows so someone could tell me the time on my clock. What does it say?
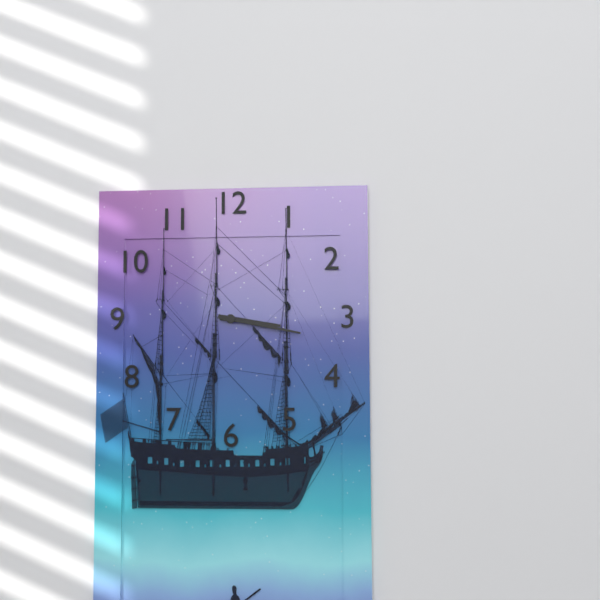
3:17
